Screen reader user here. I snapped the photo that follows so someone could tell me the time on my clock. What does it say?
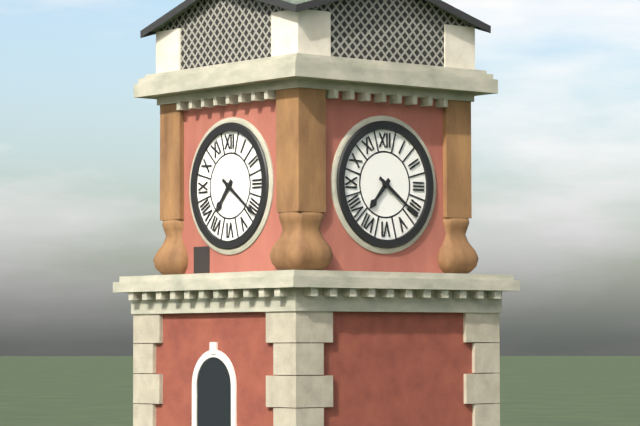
7:21
